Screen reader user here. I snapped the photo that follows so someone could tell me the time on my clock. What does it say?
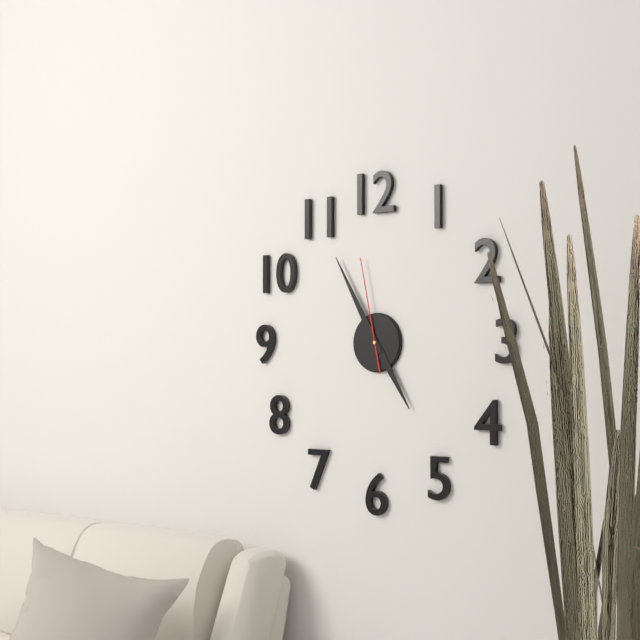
4:55:58
